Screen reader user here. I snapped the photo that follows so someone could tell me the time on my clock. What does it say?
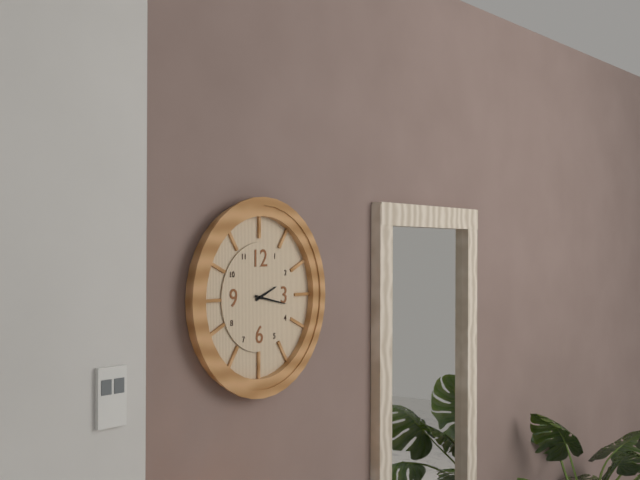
2:17
